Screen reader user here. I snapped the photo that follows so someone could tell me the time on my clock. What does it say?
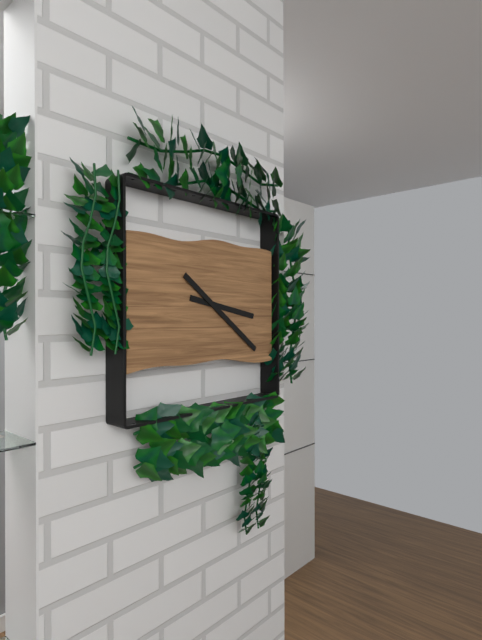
3:21
